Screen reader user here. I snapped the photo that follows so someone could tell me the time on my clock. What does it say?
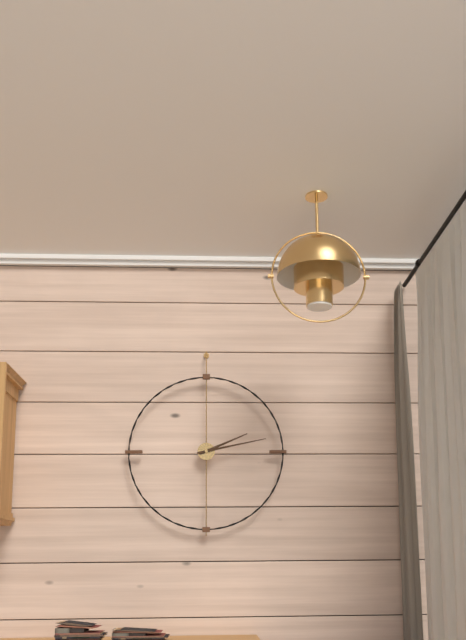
2:13
